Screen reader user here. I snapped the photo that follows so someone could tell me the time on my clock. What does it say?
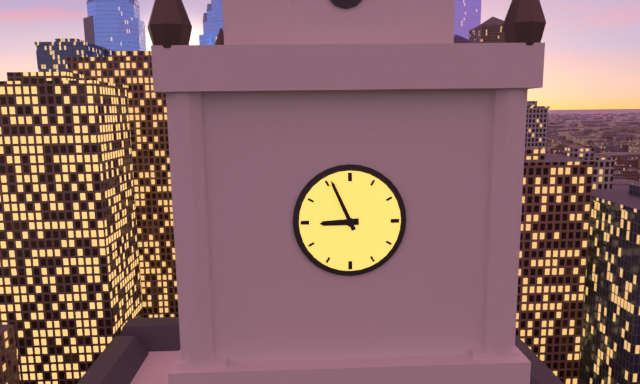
8:56
